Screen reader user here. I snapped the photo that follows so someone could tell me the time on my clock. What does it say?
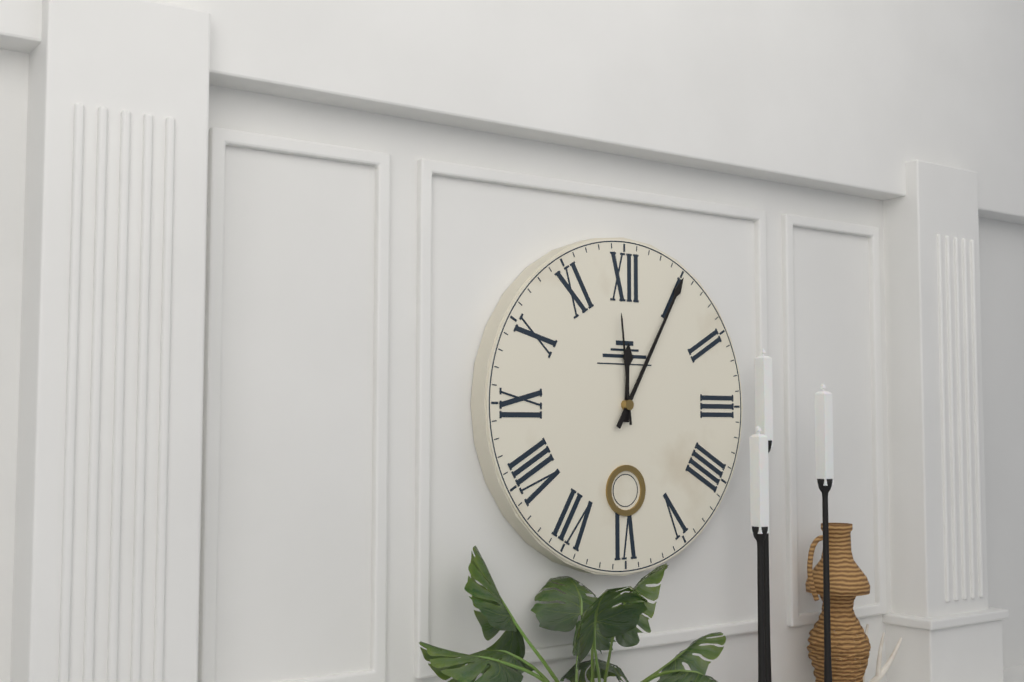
12:05:59
